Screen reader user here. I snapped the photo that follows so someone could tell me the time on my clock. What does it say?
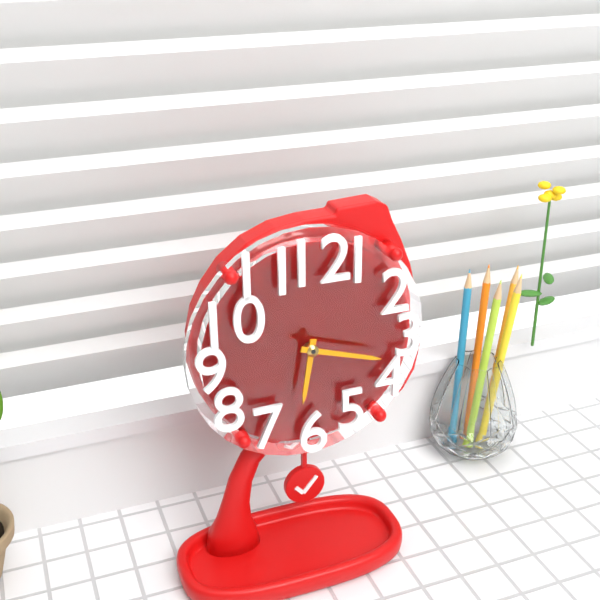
6:18
